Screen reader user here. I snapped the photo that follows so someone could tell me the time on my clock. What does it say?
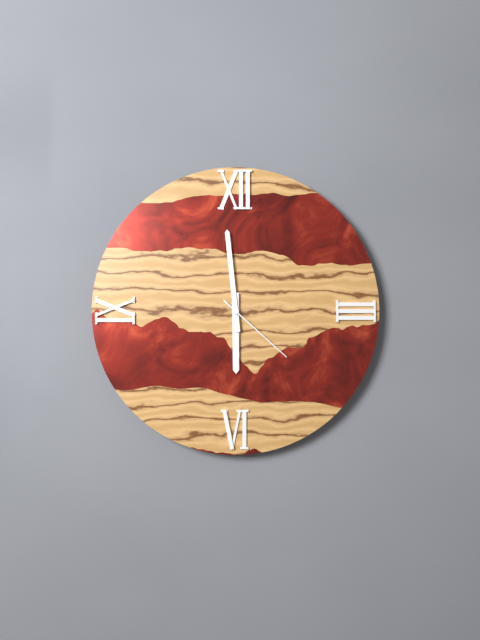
5:59:22
